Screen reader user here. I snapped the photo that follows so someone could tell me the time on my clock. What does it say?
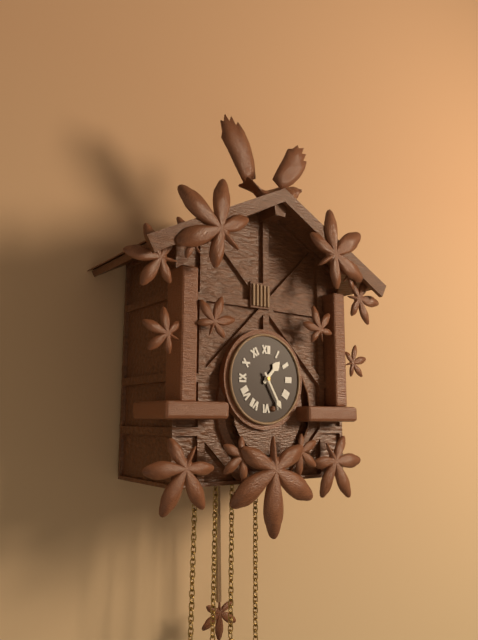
1:25
